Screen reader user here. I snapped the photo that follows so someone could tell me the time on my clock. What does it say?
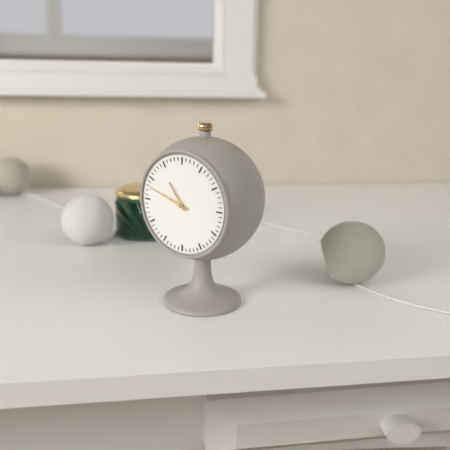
10:48
